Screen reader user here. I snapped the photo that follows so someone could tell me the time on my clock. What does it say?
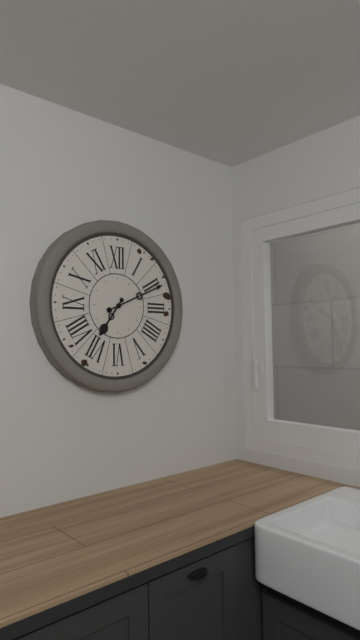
7:11
